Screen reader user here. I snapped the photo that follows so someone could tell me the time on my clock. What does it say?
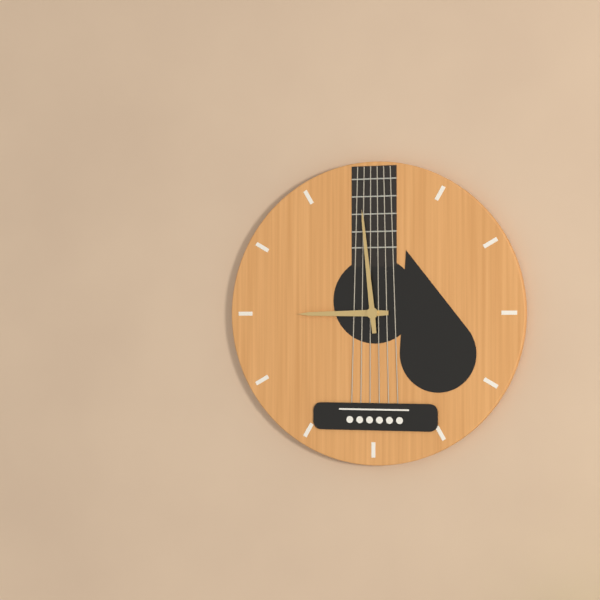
8:59
